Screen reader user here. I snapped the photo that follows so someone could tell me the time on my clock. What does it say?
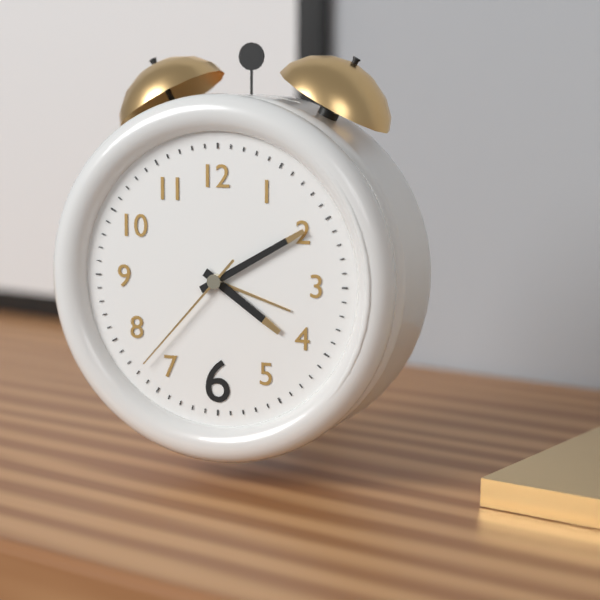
4:10:37
